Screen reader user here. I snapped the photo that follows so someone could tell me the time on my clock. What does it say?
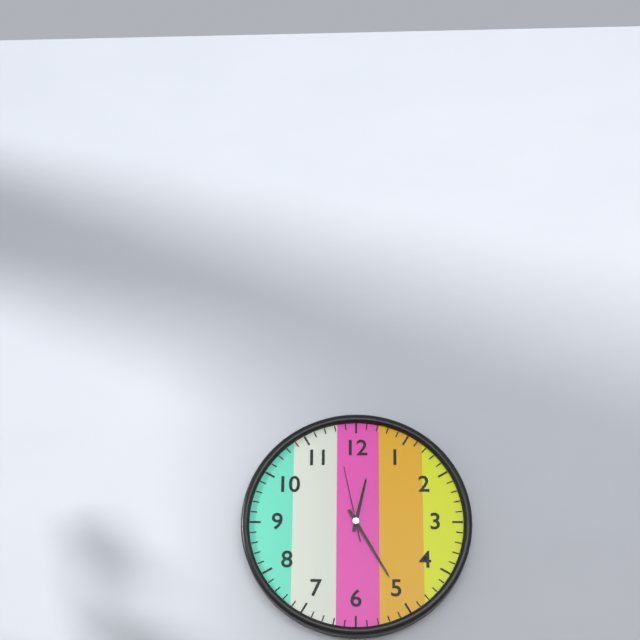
12:25:58
